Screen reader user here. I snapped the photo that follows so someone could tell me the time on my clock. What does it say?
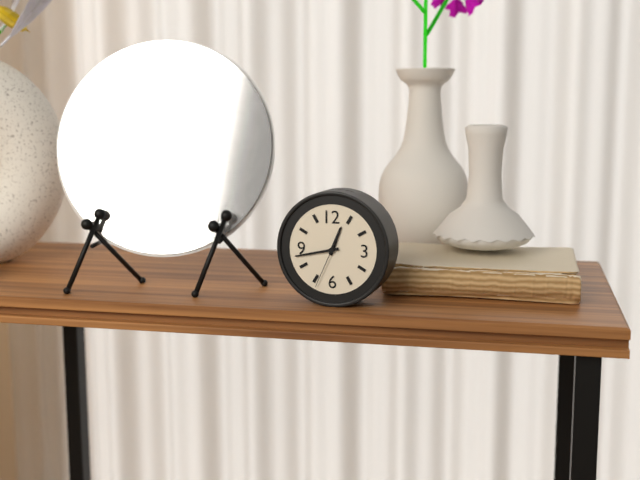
12:43:34
